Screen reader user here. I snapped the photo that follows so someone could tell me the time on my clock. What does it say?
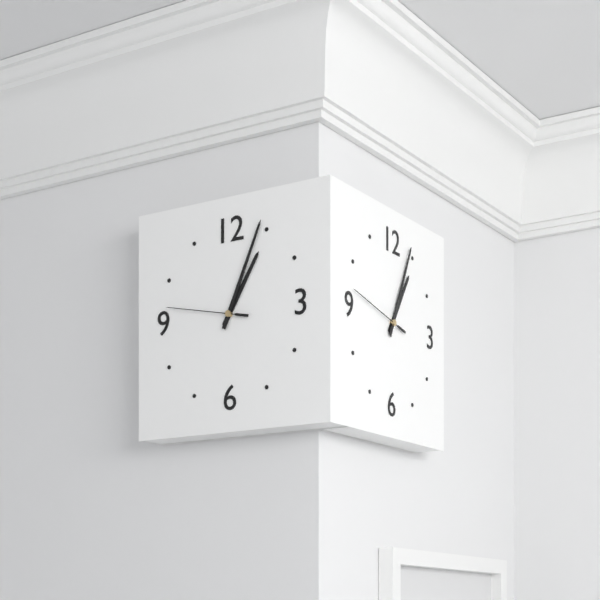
1:04:47
